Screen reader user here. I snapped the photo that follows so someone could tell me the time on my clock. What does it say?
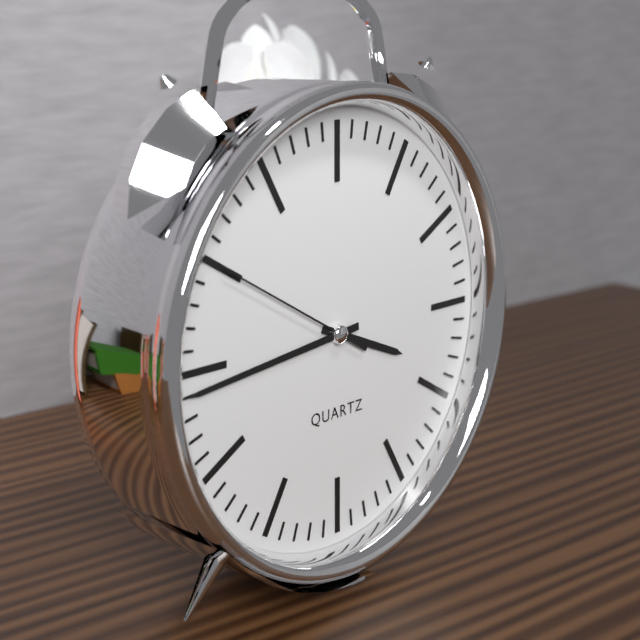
3:44:50
